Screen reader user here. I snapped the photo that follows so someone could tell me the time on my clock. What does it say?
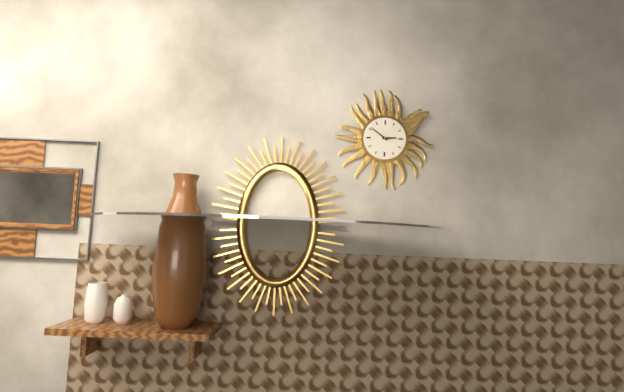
2:51
